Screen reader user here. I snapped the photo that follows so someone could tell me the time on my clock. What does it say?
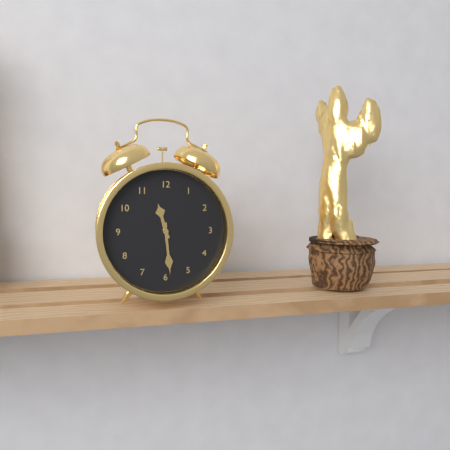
11:29
